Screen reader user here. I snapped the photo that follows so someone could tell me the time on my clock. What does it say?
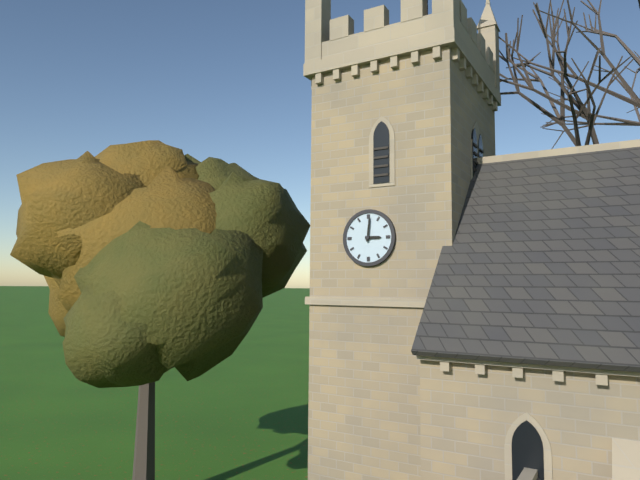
3:01
